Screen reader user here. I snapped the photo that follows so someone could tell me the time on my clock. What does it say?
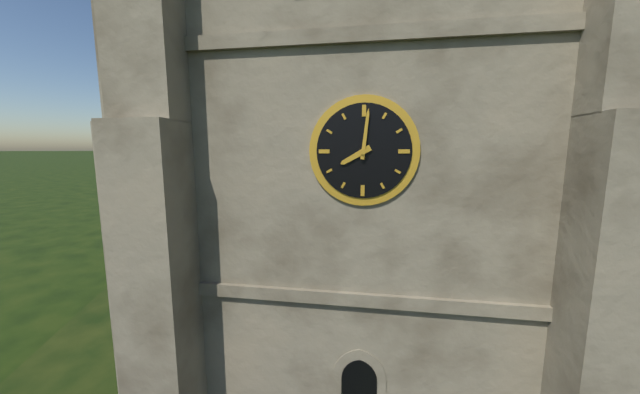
8:01
